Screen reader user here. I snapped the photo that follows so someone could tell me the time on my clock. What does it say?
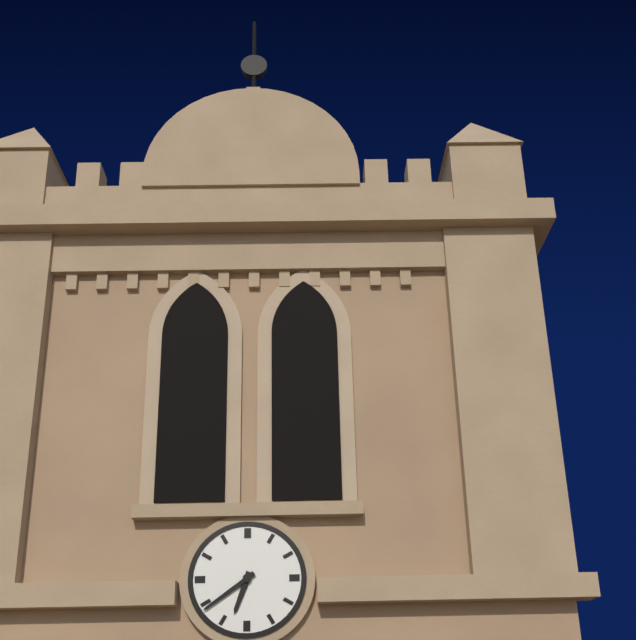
6:39
